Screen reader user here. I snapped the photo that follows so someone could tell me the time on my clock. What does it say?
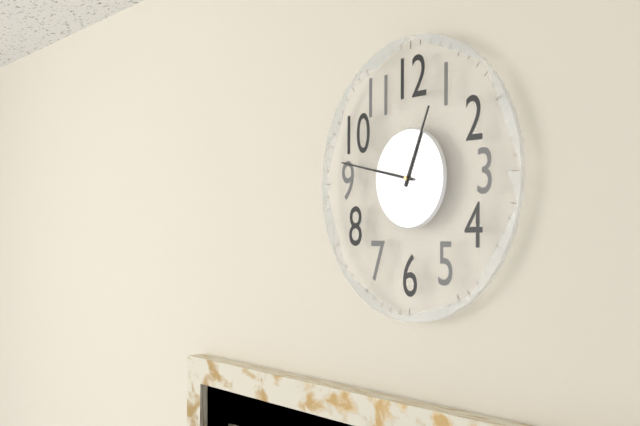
12:47
